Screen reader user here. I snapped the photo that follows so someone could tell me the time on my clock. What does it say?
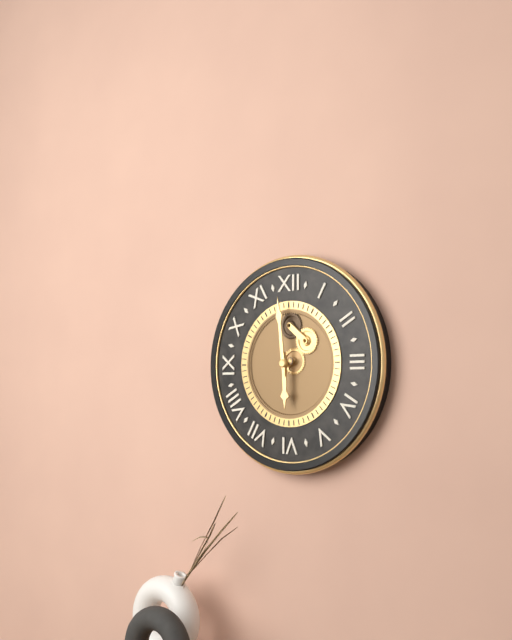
5:59
